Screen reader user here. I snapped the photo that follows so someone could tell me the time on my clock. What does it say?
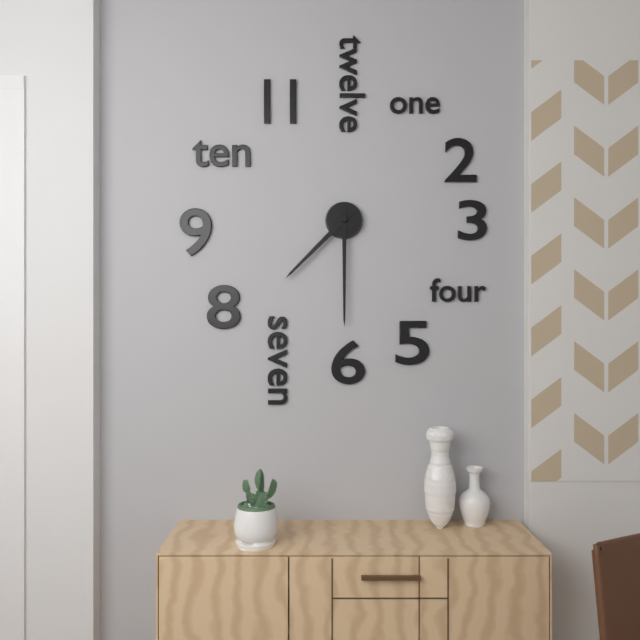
7:30
